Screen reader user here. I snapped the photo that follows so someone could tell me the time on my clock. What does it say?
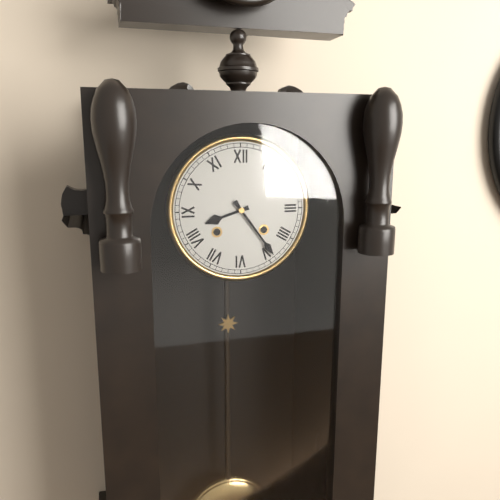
8:24
